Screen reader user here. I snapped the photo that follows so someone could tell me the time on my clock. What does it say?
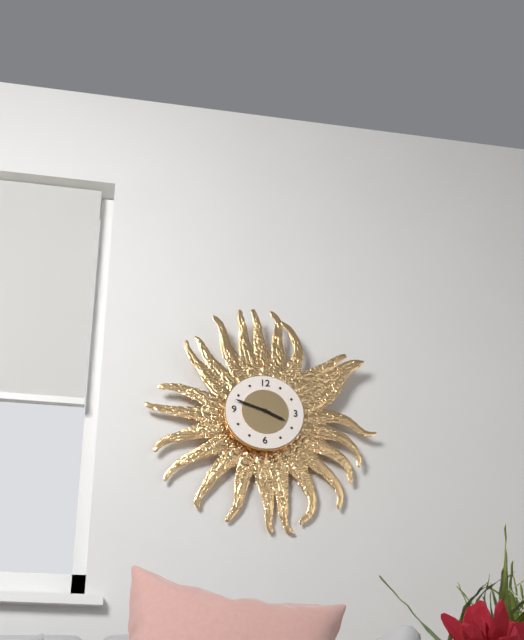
3:48
